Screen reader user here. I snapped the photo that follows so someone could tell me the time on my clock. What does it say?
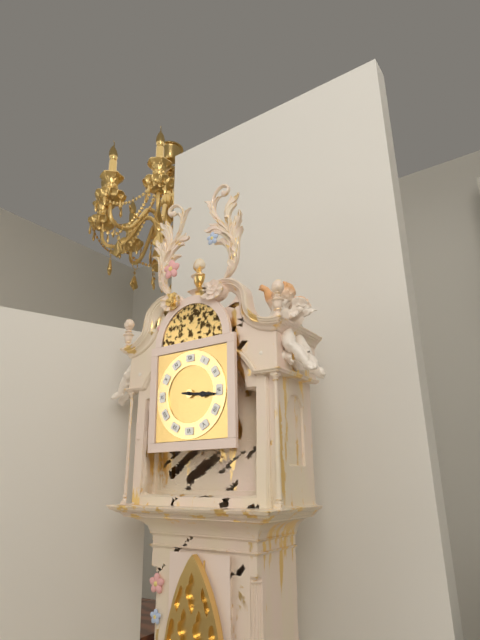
3:16
